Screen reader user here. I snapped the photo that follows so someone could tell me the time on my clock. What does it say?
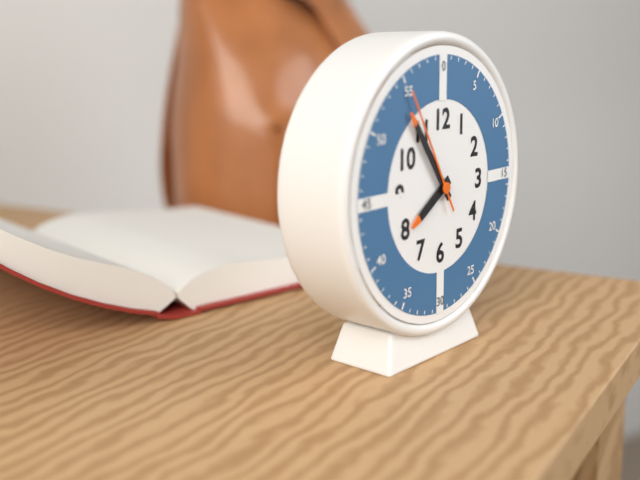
7:54:55
